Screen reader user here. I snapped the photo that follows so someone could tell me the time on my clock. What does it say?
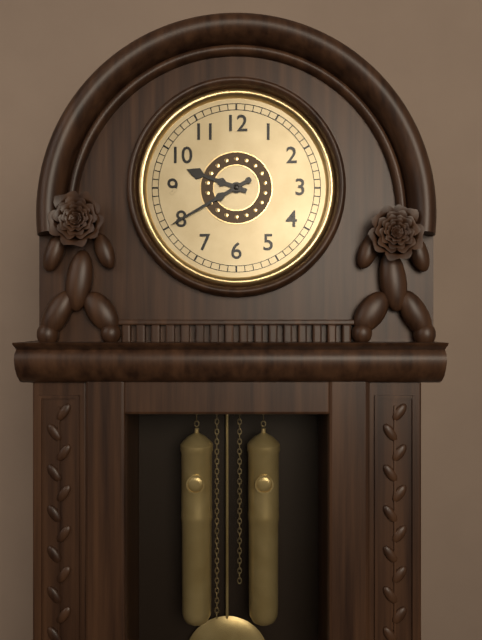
9:40
